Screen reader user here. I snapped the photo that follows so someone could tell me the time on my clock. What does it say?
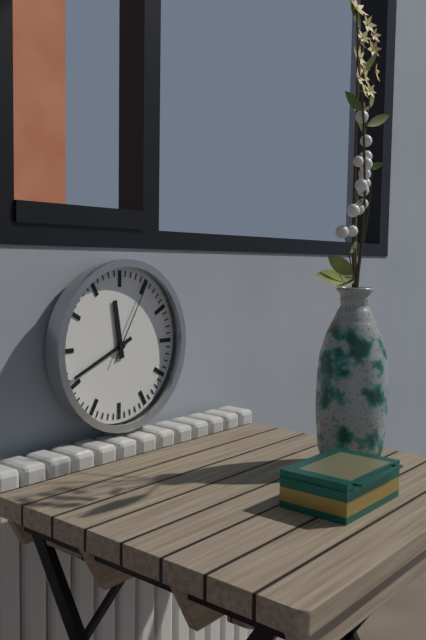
11:41:05
